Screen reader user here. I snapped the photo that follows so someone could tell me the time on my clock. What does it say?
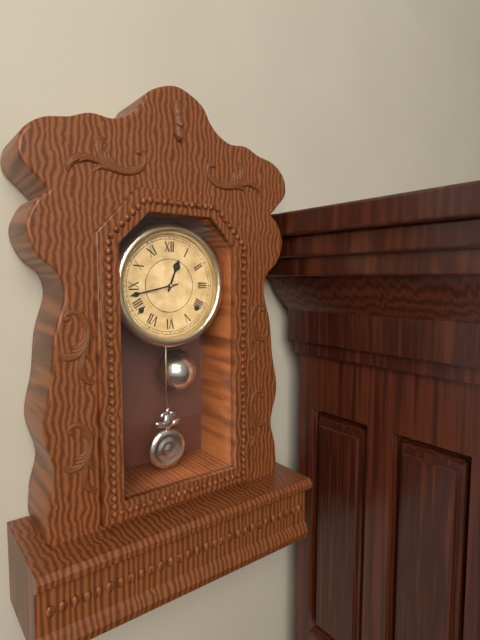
12:43
